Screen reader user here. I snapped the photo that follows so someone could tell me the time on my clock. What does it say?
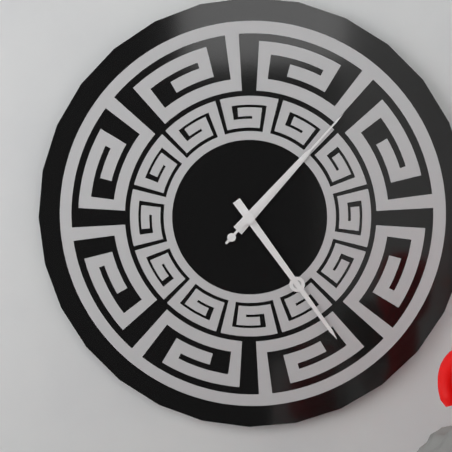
1:24:07
